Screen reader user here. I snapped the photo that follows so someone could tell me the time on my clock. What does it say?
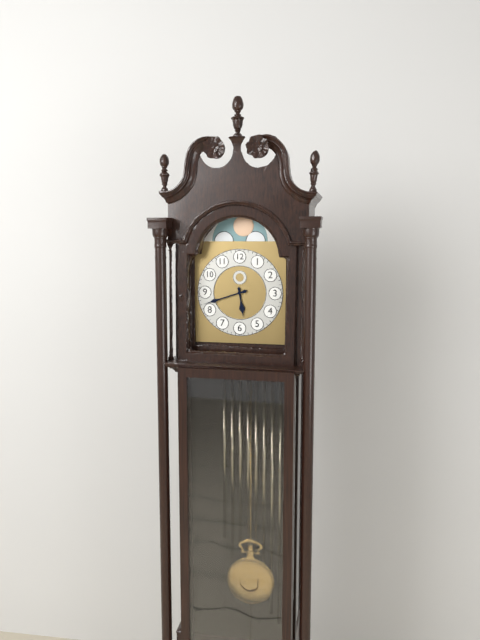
5:42
